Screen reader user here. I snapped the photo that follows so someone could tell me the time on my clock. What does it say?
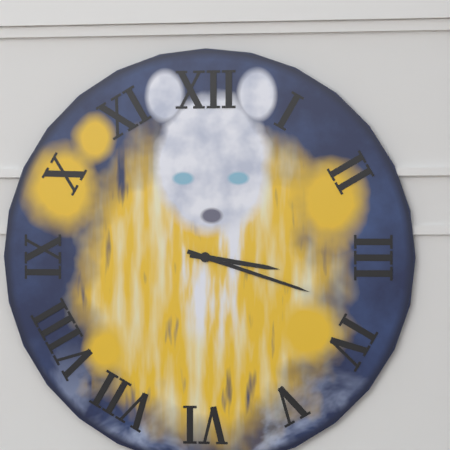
3:18
